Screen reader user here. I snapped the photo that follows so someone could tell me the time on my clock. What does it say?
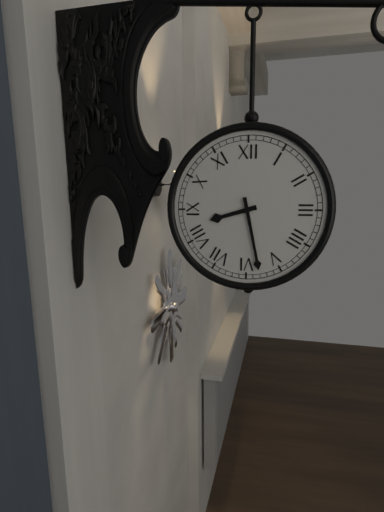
8:28
